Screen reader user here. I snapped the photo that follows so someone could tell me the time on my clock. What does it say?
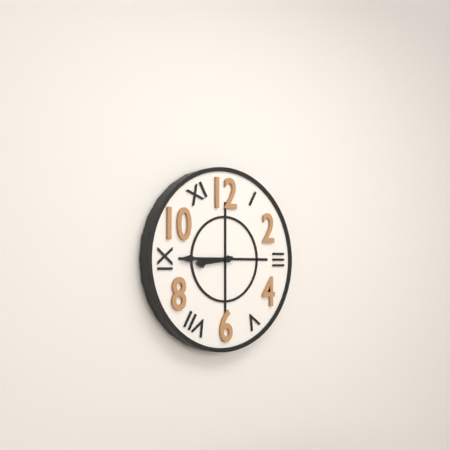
8:45
